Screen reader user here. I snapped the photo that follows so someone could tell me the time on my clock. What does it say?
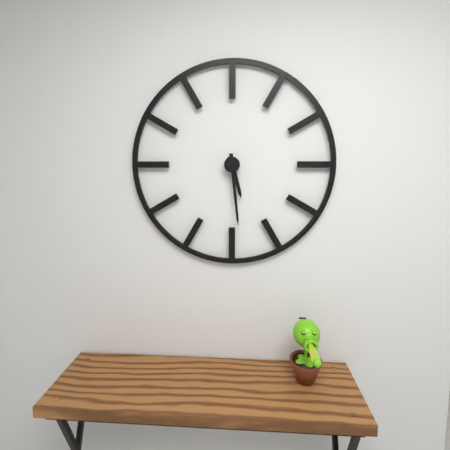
5:29
